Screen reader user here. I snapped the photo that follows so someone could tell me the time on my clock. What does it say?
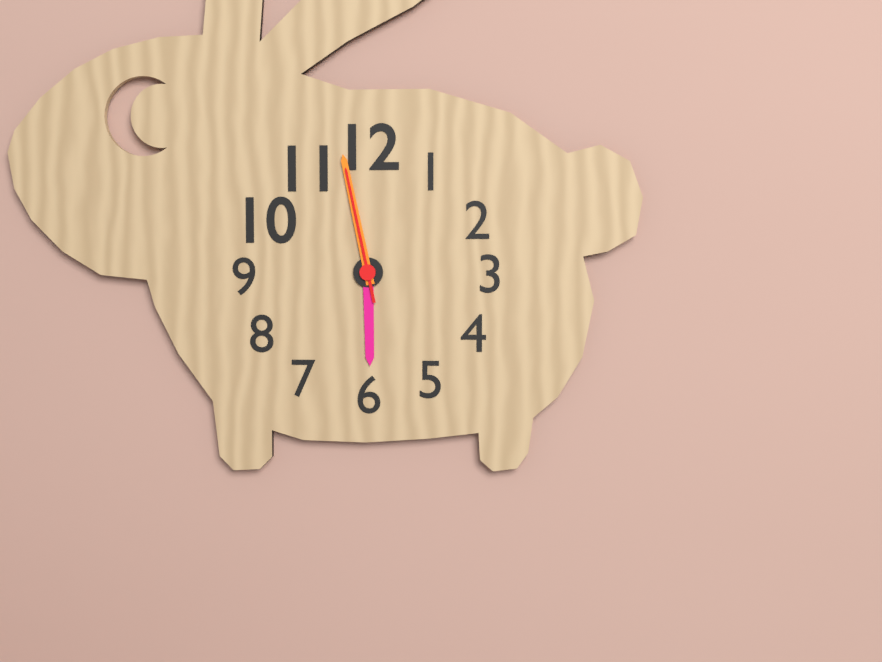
5:58:58
